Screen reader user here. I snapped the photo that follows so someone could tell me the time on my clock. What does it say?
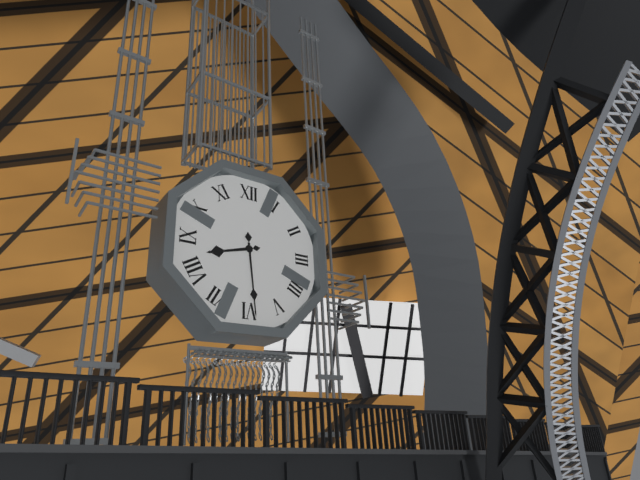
8:29
